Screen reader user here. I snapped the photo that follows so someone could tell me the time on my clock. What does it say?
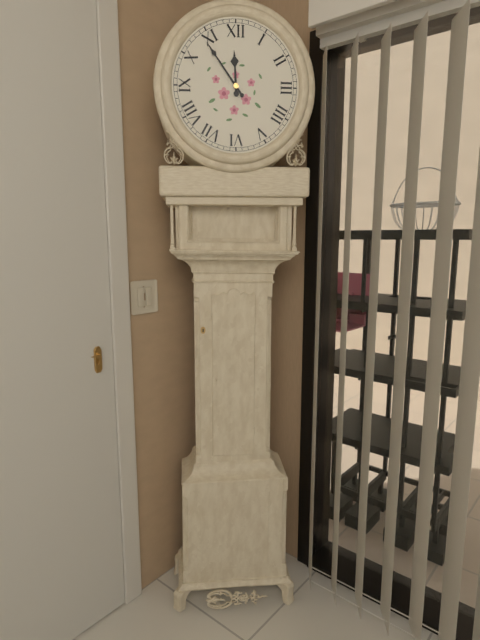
11:54
